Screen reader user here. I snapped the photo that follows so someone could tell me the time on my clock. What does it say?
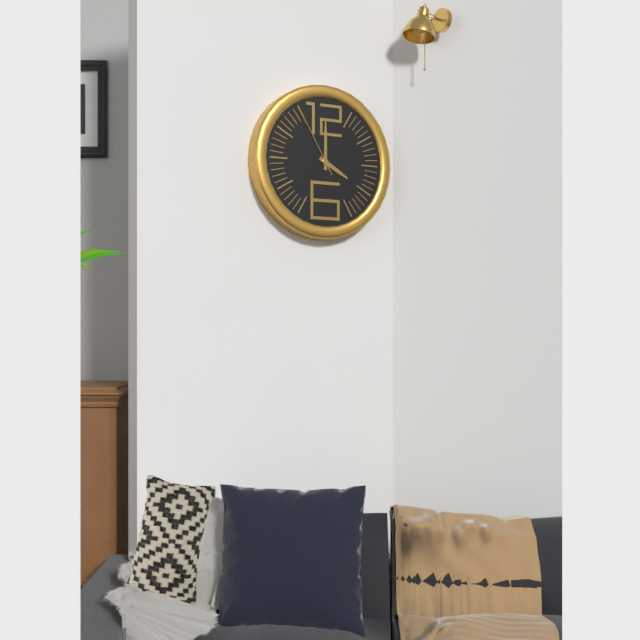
4:00:55
